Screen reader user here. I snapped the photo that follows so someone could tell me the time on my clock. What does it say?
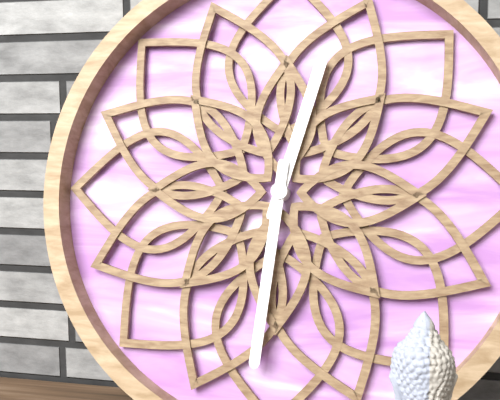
12:31
